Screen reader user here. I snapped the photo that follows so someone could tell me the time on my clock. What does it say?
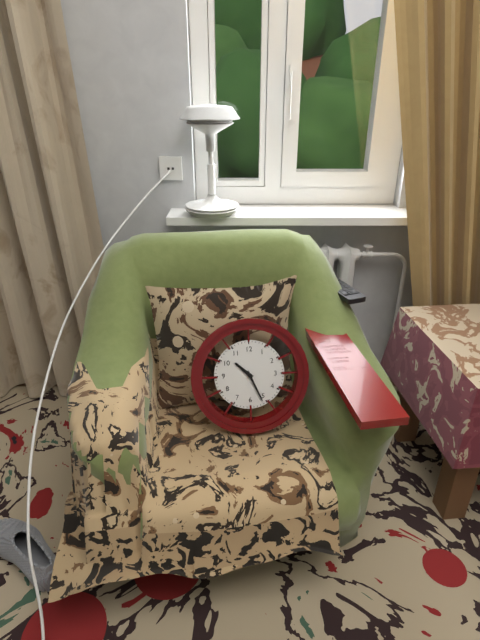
10:26
